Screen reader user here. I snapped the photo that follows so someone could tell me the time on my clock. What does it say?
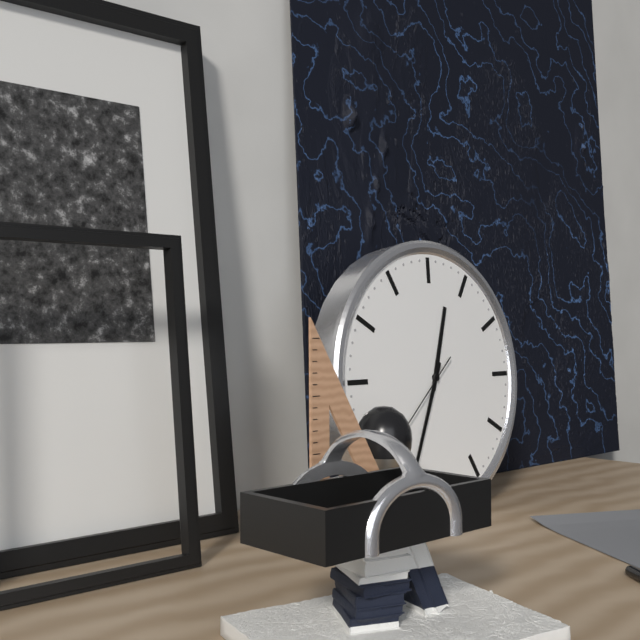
12:34
